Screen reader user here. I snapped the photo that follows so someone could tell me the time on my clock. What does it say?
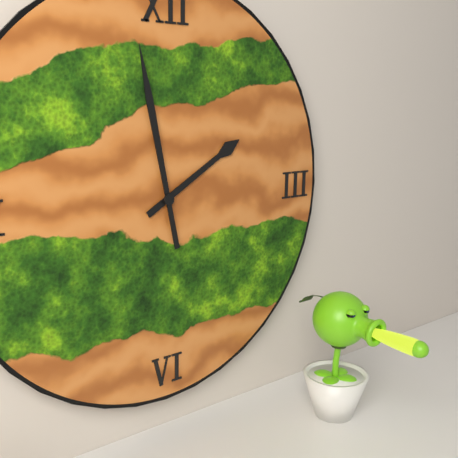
1:58
